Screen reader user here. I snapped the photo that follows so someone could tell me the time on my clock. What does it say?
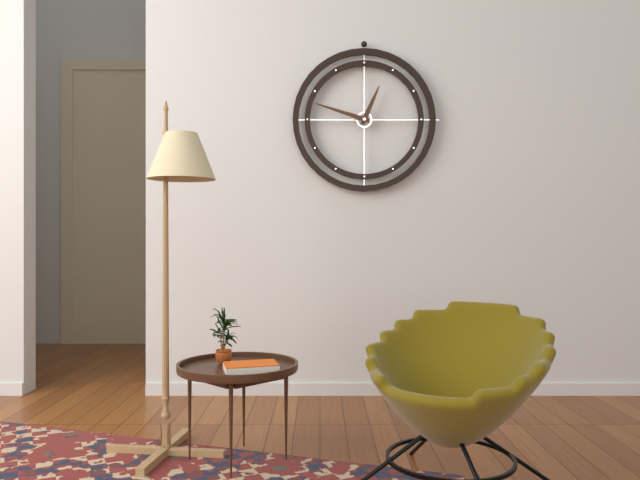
12:48
